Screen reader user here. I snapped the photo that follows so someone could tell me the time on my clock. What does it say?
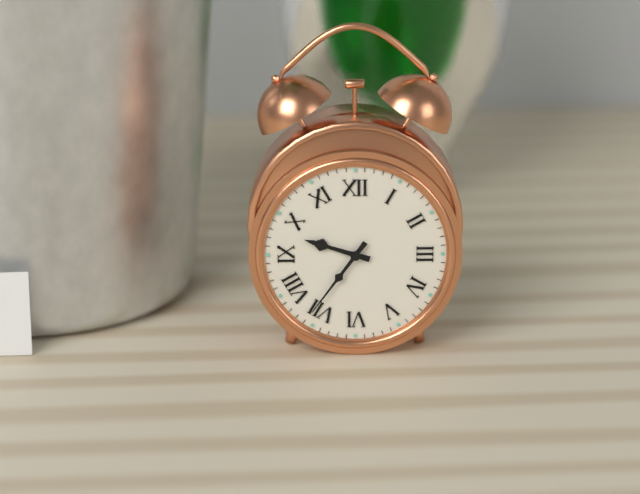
9:36
